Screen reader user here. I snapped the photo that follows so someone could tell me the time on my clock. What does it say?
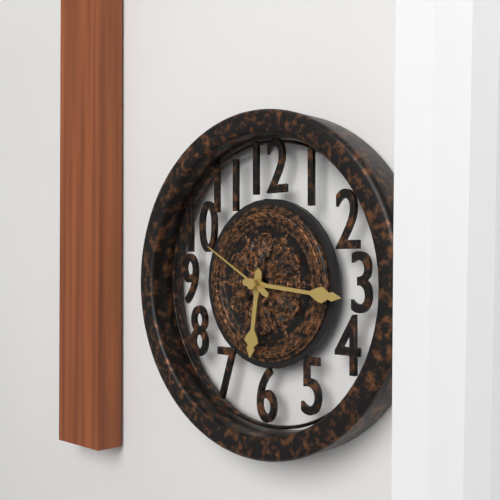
6:16:50
